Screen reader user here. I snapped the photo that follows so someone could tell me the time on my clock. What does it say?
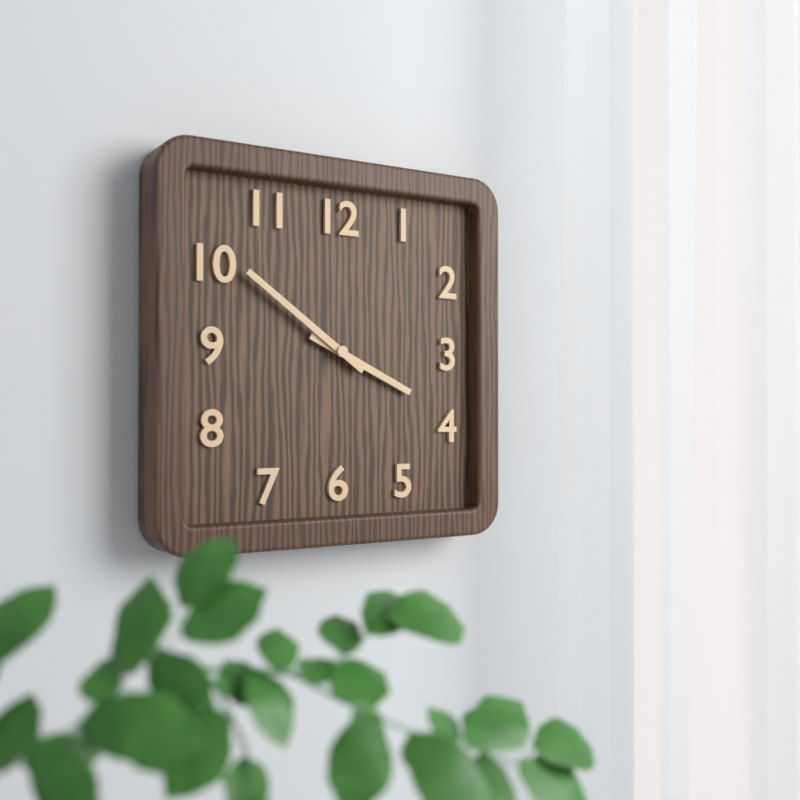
3:51
